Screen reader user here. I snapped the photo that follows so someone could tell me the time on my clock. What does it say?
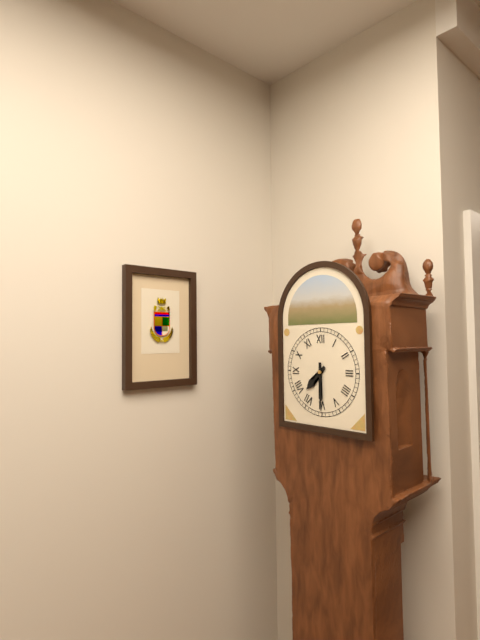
7:30
